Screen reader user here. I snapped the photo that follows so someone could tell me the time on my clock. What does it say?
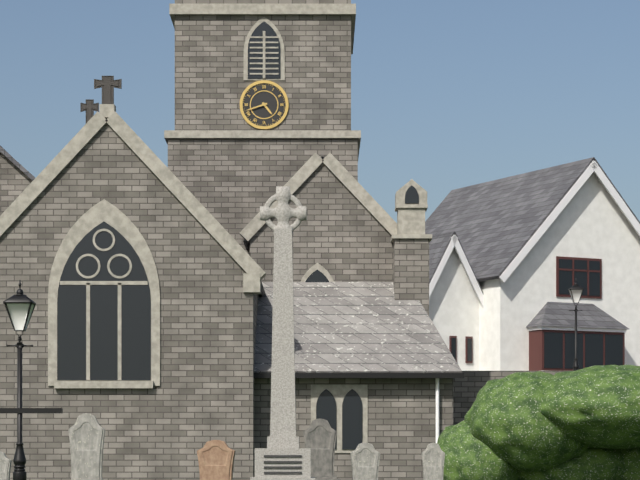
4:42
